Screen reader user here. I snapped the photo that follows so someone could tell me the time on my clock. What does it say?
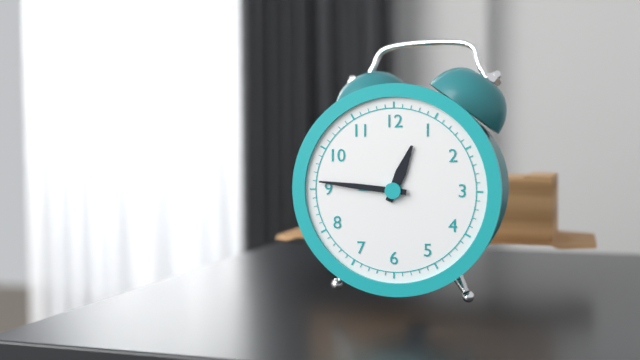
12:46
